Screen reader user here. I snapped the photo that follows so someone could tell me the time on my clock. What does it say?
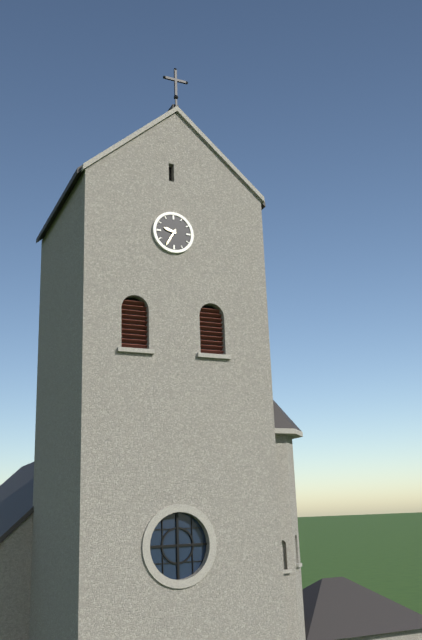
9:35
